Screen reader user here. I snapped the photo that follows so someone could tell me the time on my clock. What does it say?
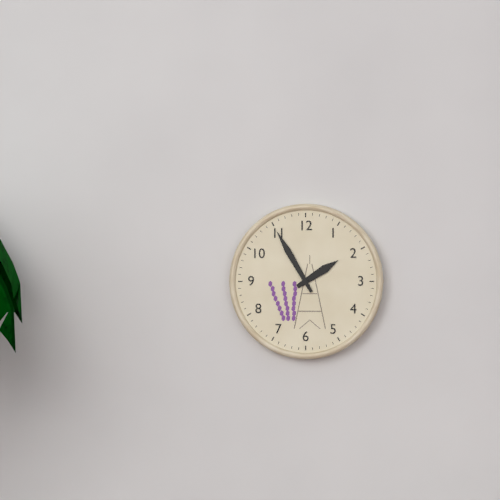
1:55
